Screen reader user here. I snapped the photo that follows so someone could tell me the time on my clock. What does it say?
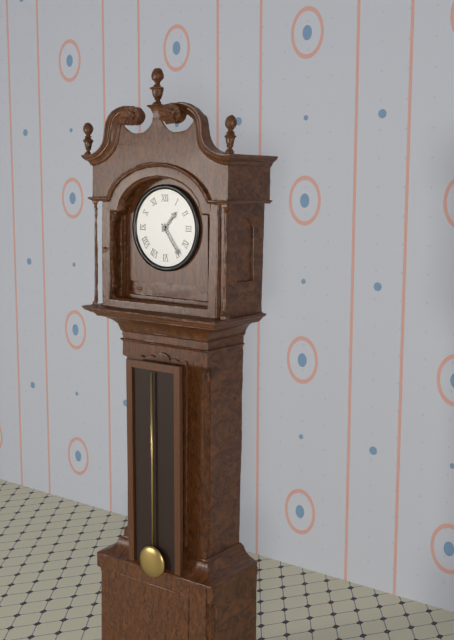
1:24
